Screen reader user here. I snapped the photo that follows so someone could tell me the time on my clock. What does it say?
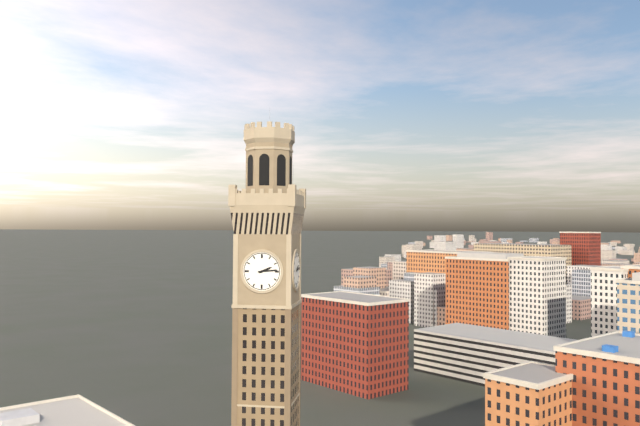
2:14
